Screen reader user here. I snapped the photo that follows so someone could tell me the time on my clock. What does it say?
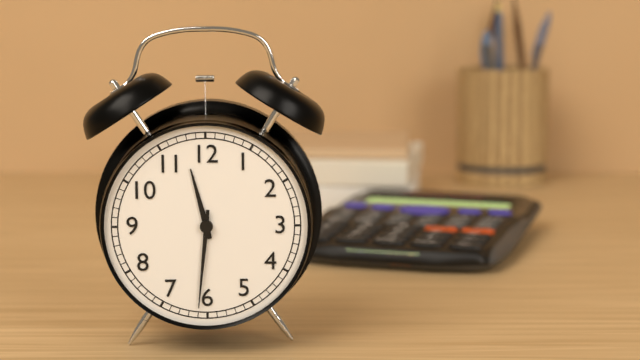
11:31
